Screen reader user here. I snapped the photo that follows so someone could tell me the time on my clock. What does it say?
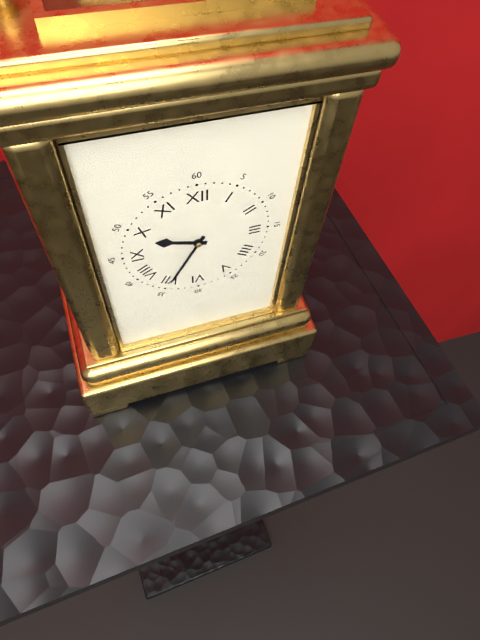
9:35
